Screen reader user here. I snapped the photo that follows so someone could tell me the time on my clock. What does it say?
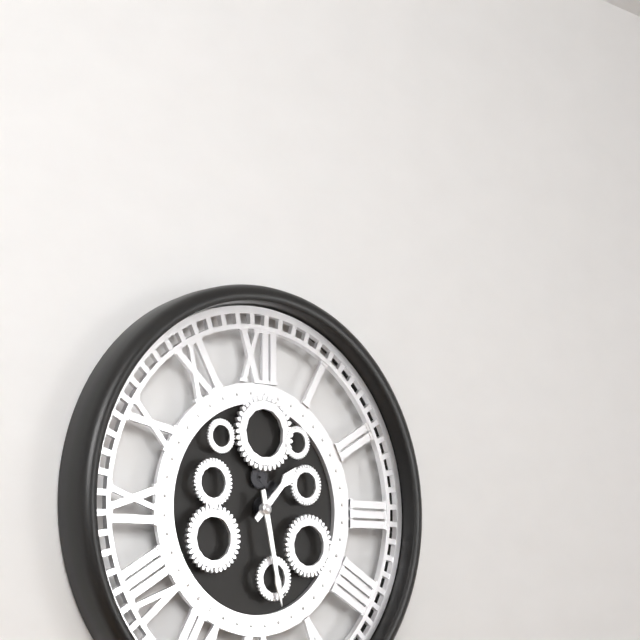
1:28
